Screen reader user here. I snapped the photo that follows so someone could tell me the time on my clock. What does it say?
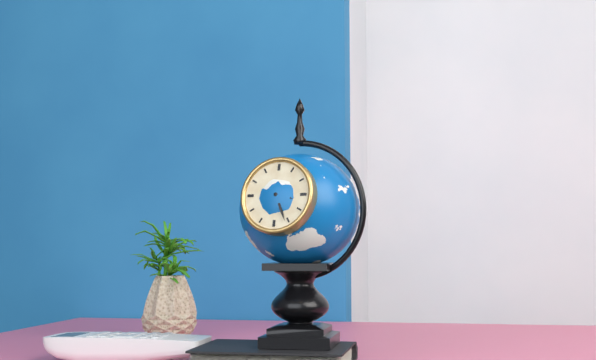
3:26
